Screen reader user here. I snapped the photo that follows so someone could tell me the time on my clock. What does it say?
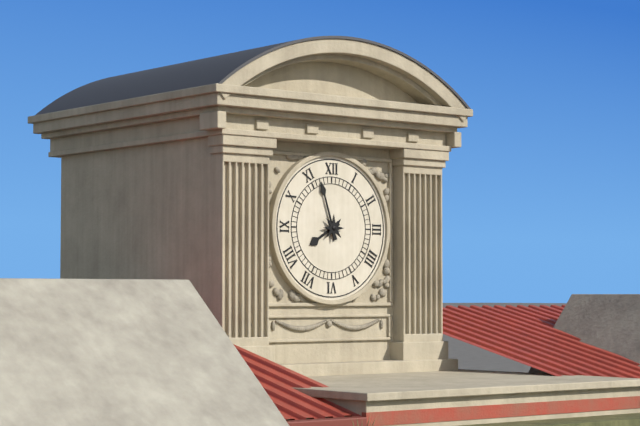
7:57
